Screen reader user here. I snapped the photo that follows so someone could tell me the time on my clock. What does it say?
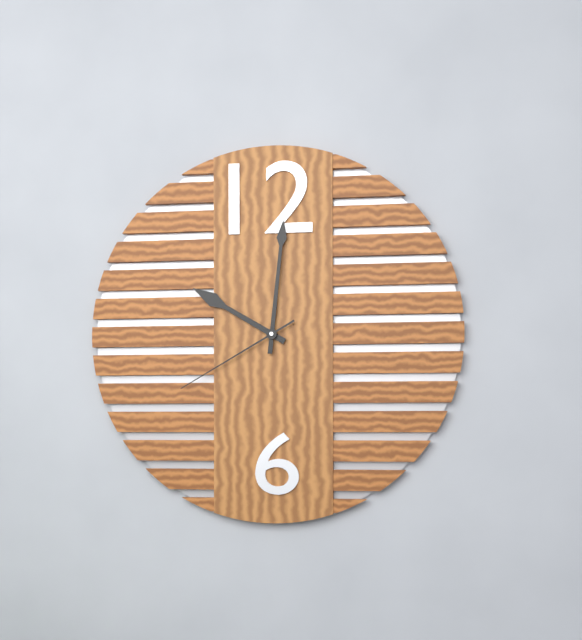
10:01:40
